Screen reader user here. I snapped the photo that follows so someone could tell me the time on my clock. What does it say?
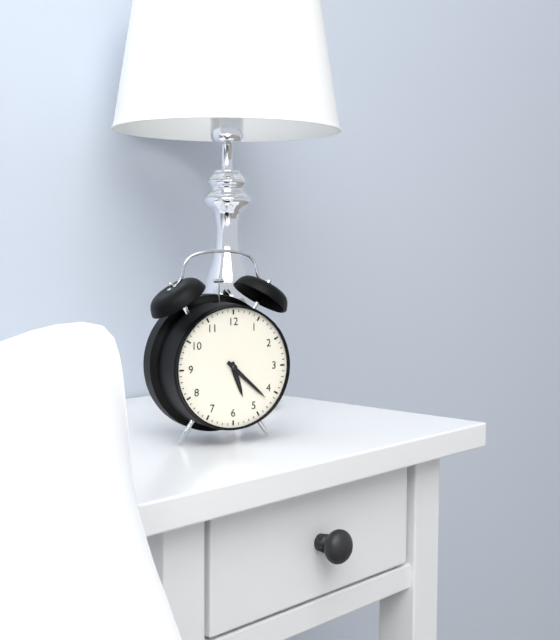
5:22
